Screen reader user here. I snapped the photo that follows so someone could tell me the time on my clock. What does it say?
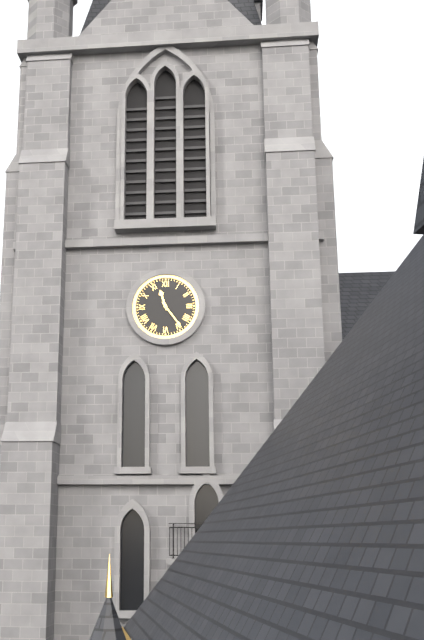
11:24
